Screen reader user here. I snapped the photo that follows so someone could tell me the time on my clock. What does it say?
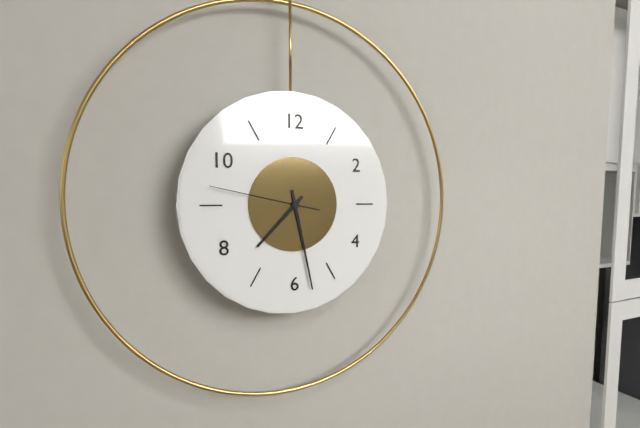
7:28:47
